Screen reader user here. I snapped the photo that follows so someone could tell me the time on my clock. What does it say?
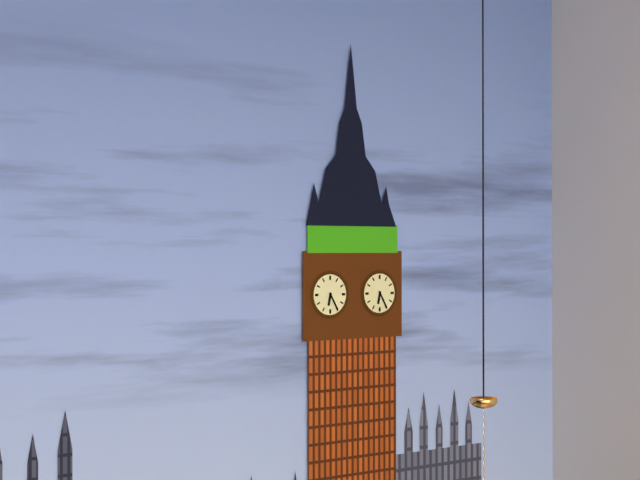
6:25
